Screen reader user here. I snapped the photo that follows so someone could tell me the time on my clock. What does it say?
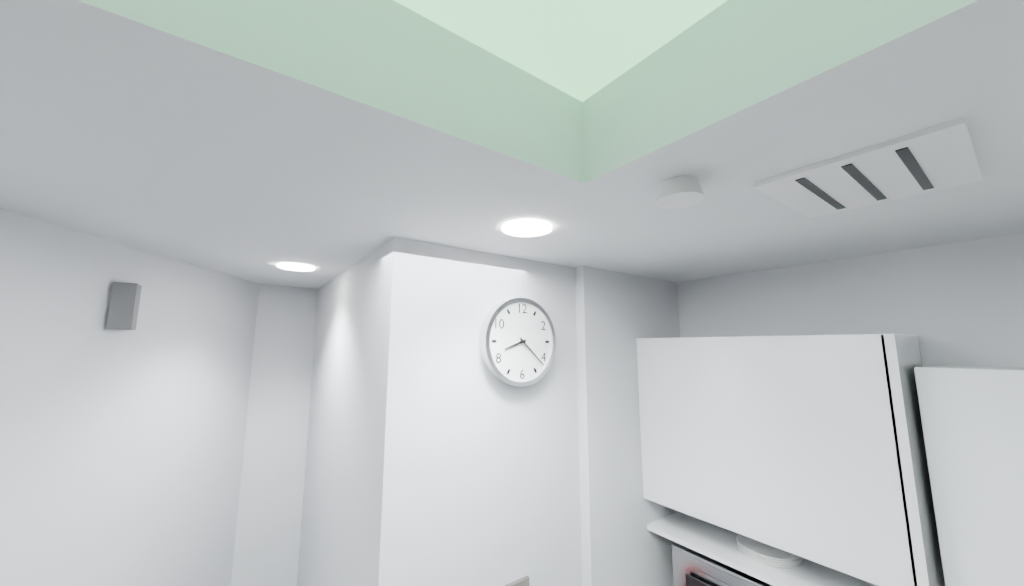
8:22
